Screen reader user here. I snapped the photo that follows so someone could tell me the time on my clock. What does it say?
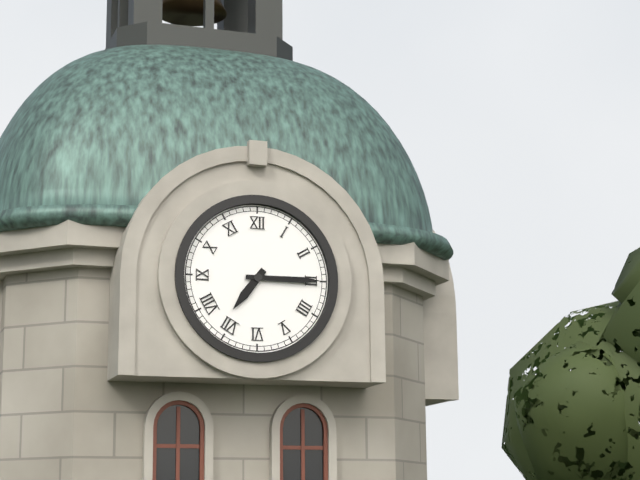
7:15
